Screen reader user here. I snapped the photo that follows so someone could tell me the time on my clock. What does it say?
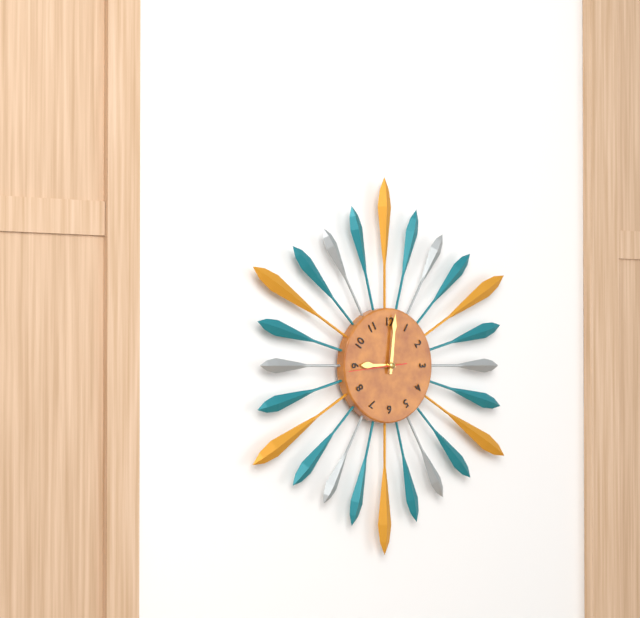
9:01
